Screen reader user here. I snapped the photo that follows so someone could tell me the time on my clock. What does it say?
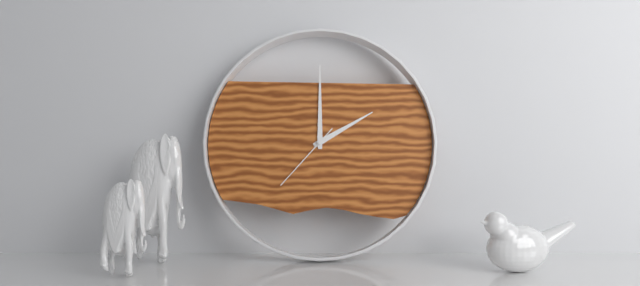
2:00:37
